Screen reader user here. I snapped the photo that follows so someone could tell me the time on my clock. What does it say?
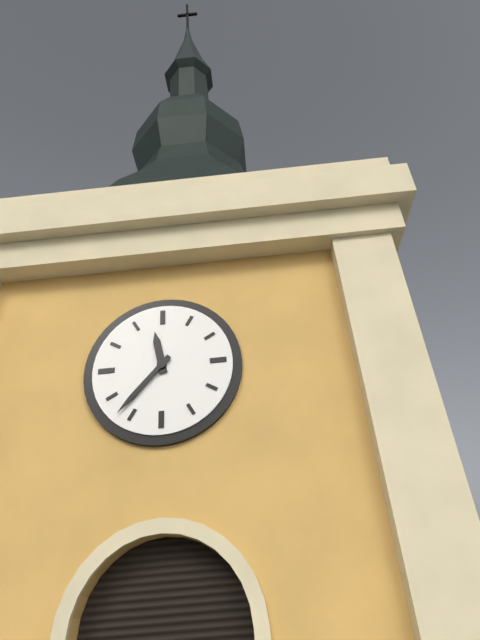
11:37
